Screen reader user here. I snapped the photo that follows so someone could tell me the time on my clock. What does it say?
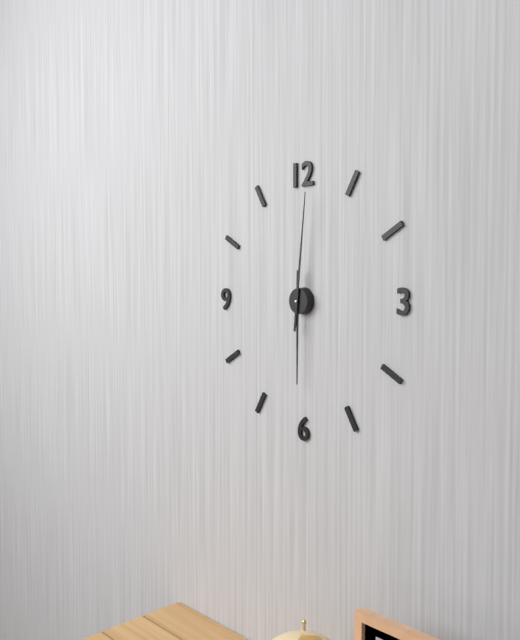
6:01
